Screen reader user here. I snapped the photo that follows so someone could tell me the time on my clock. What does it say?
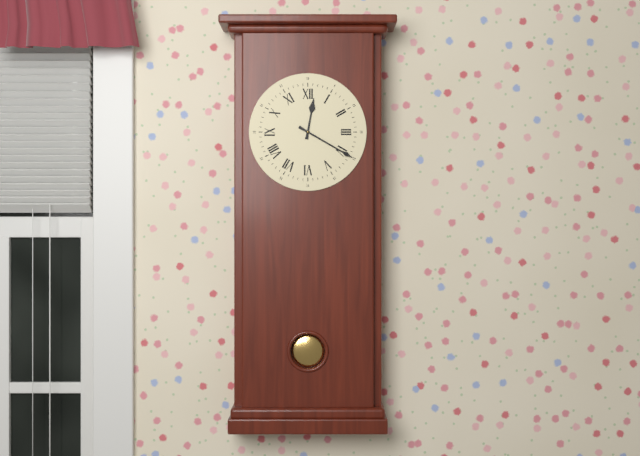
12:20
